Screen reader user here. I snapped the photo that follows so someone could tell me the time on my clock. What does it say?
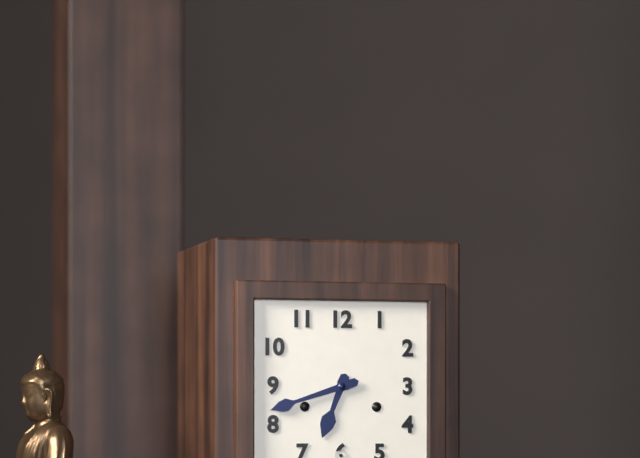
6:42
